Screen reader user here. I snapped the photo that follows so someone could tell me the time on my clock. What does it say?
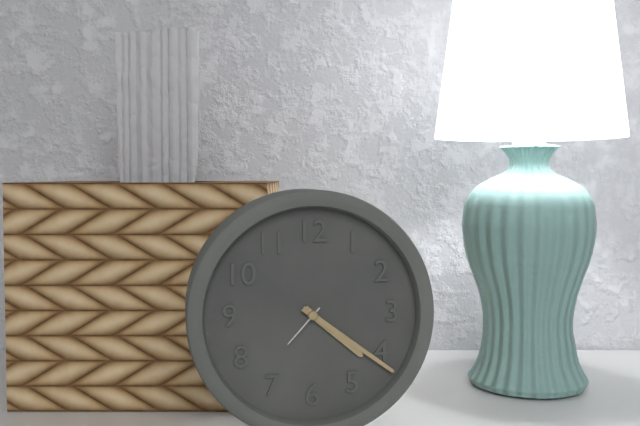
4:21
